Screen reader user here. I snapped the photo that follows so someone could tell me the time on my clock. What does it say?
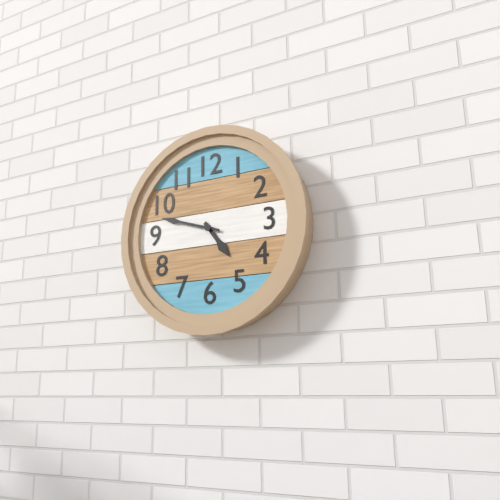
4:48
